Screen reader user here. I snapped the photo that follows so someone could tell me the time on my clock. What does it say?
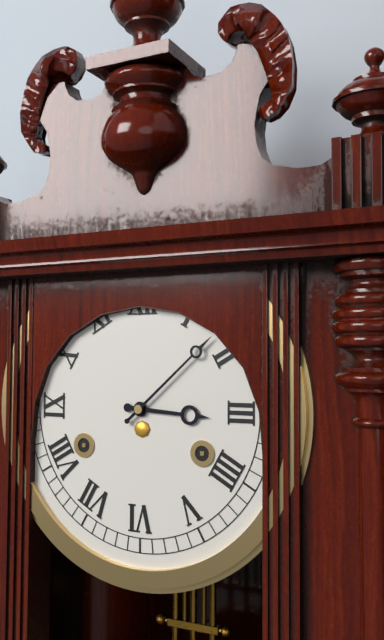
3:08
